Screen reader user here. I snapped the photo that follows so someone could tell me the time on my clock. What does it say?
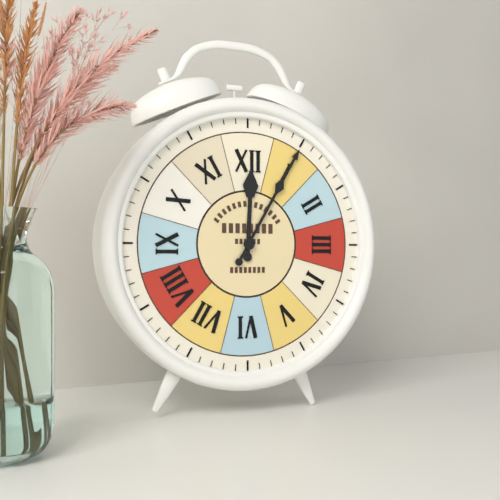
12:05
